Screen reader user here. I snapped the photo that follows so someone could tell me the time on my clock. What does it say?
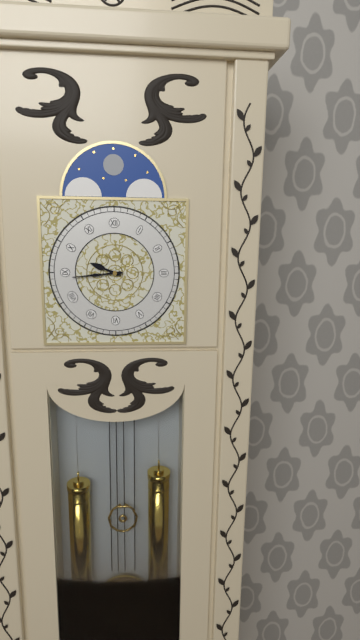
9:44
